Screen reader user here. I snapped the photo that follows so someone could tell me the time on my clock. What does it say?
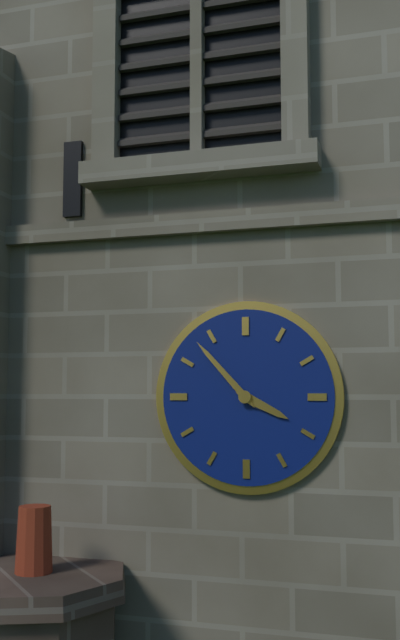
3:53
